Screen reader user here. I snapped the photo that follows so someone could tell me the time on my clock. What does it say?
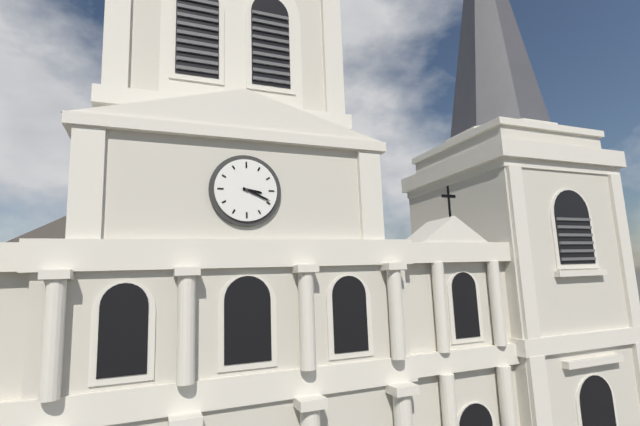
3:19
